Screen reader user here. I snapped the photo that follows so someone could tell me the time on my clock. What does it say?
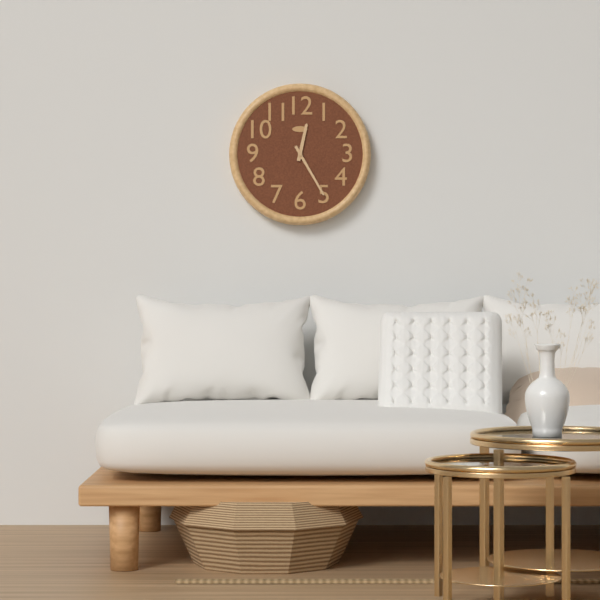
12:25
